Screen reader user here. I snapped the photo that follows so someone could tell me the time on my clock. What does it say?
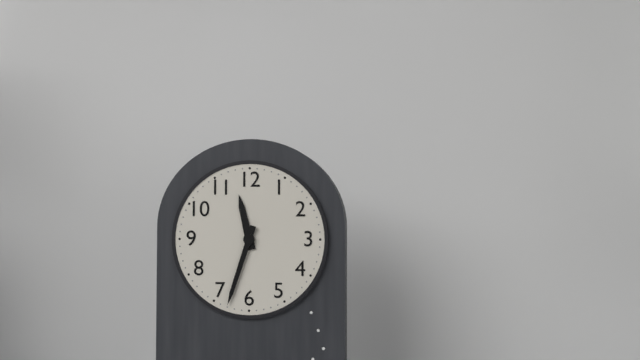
11:33
